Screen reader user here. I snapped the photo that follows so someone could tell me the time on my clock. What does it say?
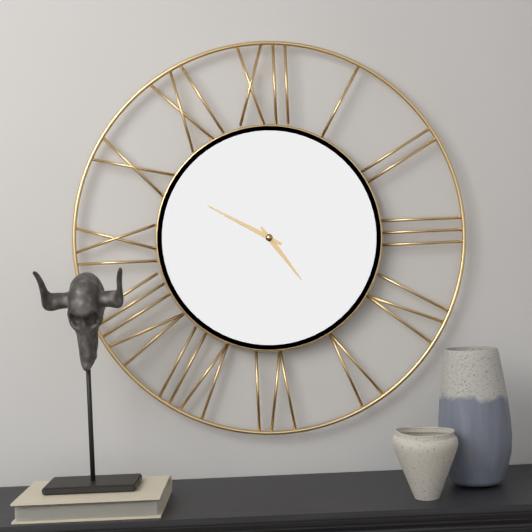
4:50
